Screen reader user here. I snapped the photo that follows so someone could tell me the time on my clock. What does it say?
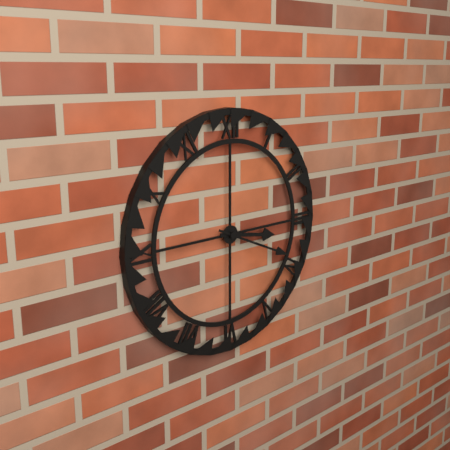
3:19
